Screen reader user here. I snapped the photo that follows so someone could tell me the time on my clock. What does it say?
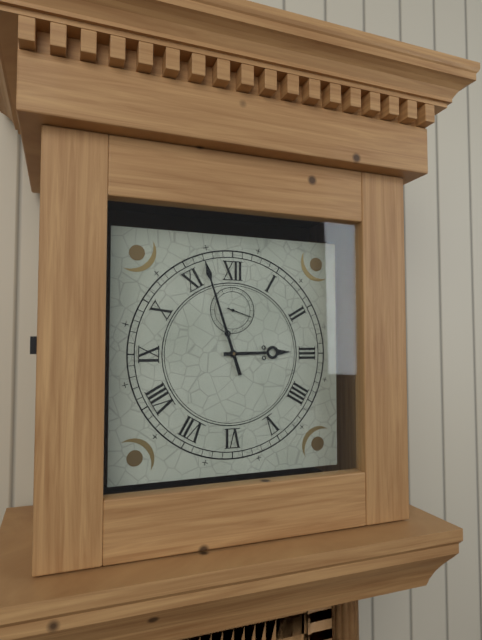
2:57
